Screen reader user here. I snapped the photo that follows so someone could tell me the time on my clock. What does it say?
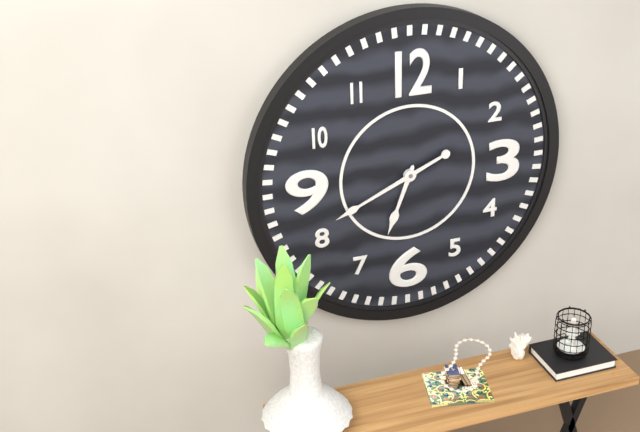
6:41
